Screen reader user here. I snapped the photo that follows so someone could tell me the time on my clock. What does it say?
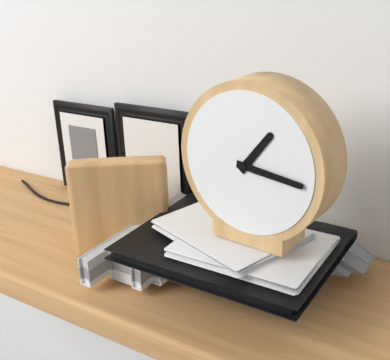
1:16
